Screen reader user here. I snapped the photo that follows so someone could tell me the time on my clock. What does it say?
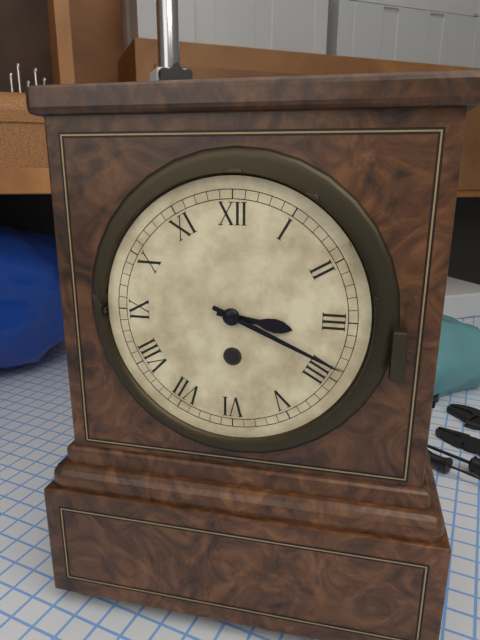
3:19
